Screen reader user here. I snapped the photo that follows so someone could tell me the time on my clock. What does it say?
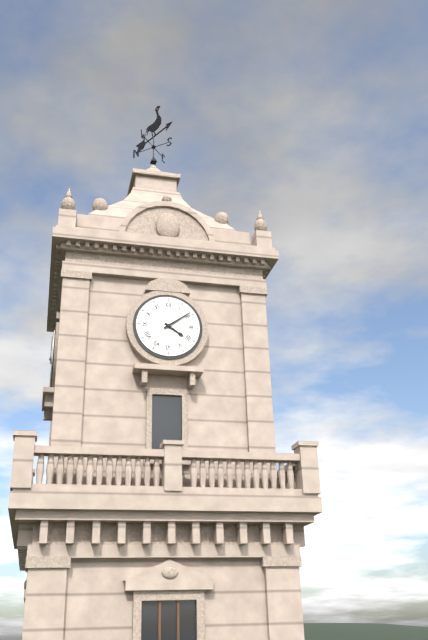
4:09
